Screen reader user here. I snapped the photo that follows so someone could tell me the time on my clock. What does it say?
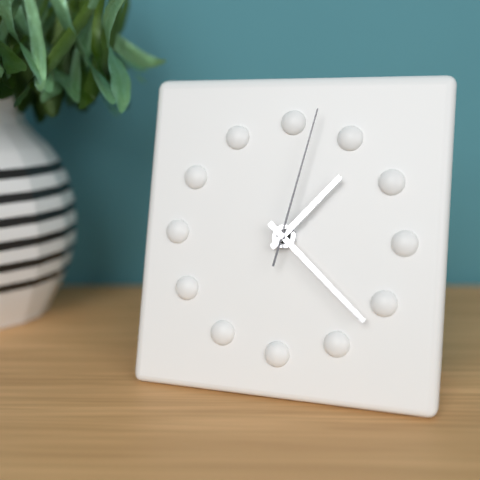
1:22:02
